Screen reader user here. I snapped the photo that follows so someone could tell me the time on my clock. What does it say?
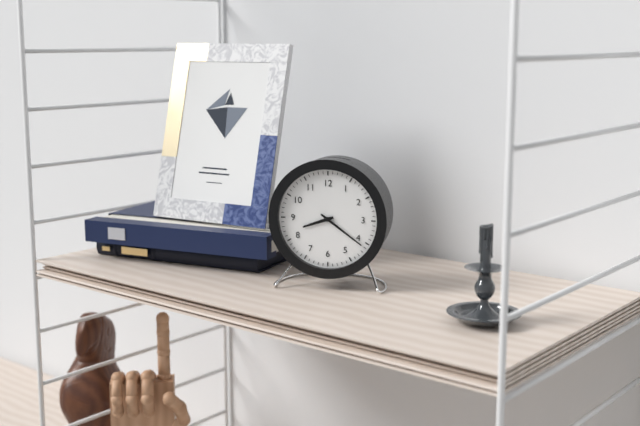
8:21
